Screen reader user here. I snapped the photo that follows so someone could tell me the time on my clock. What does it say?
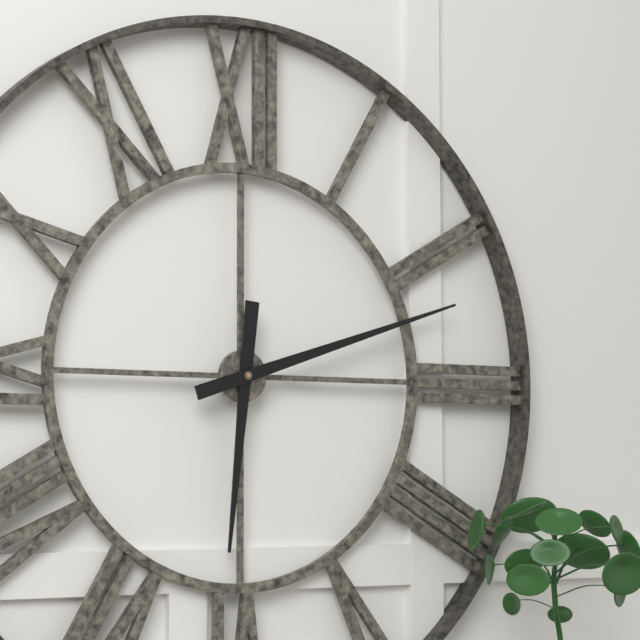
6:12
